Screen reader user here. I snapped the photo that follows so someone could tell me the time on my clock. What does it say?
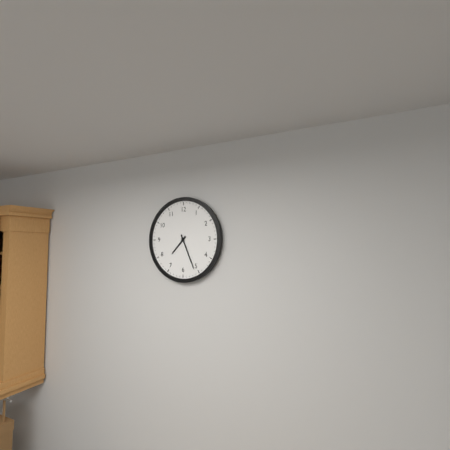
7:26
